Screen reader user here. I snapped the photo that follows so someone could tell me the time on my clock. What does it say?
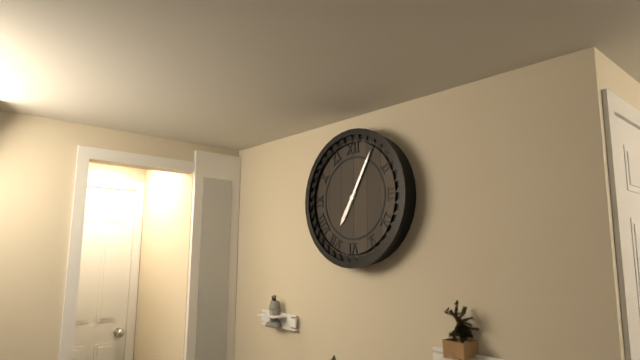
7:05
